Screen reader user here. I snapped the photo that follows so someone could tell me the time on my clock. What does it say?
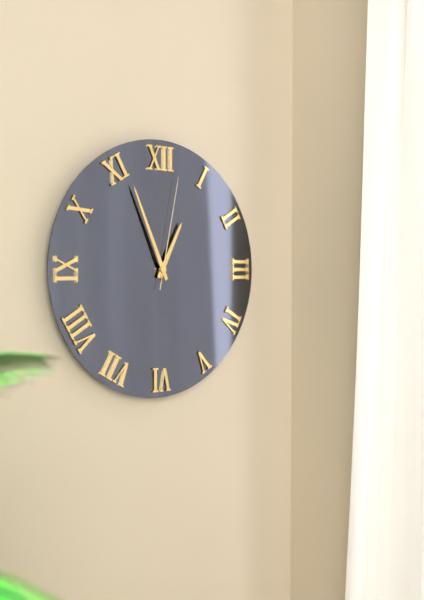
12:56:02
